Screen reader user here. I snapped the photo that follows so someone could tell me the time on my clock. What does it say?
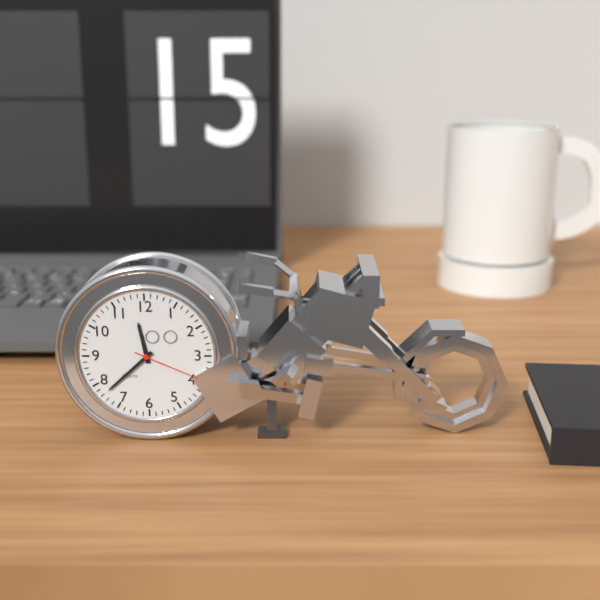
11:38:19
